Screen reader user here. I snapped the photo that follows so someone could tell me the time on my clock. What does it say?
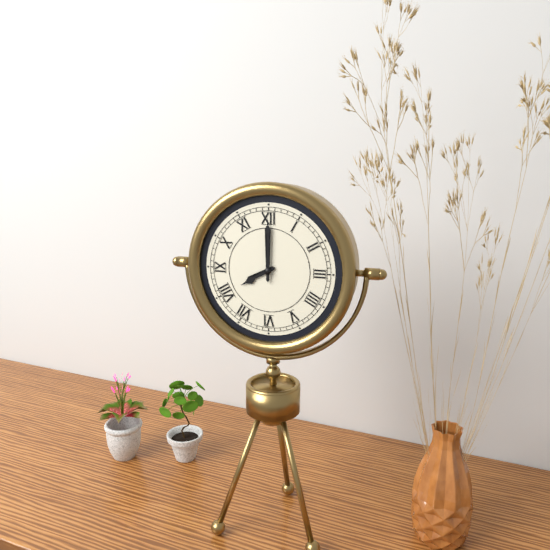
8:00
